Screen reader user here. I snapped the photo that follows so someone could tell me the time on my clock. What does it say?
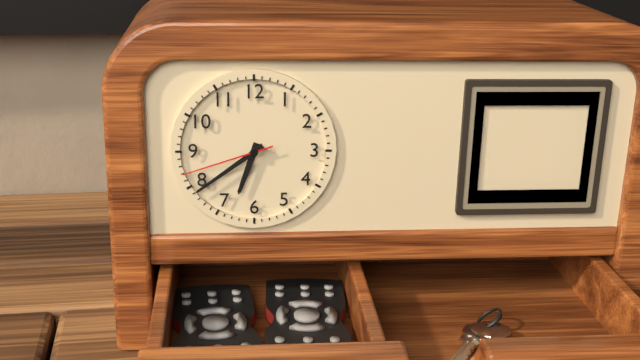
6:39:42
